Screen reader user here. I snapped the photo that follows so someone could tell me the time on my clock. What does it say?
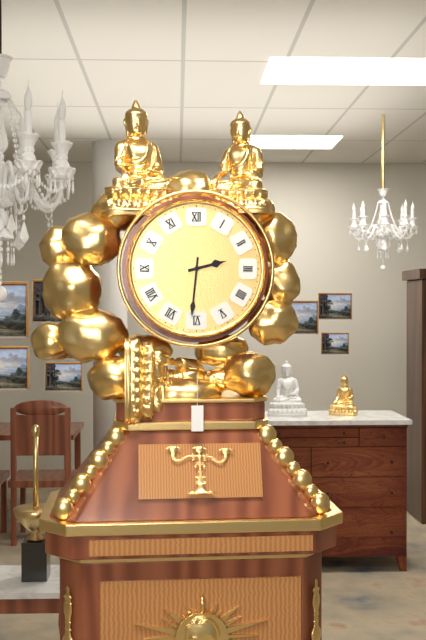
2:31
